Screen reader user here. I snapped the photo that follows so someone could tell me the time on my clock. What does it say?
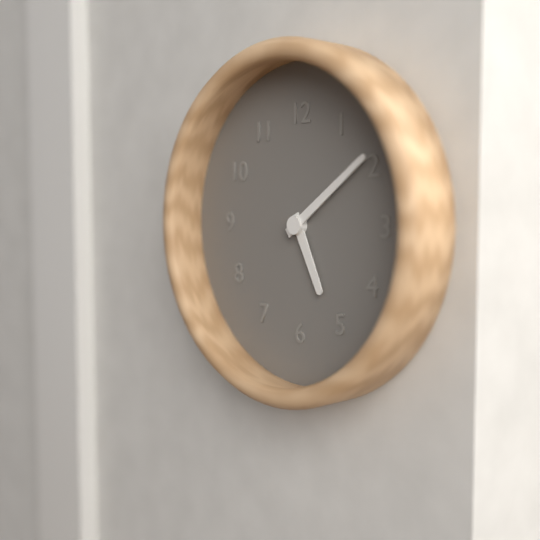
5:09
